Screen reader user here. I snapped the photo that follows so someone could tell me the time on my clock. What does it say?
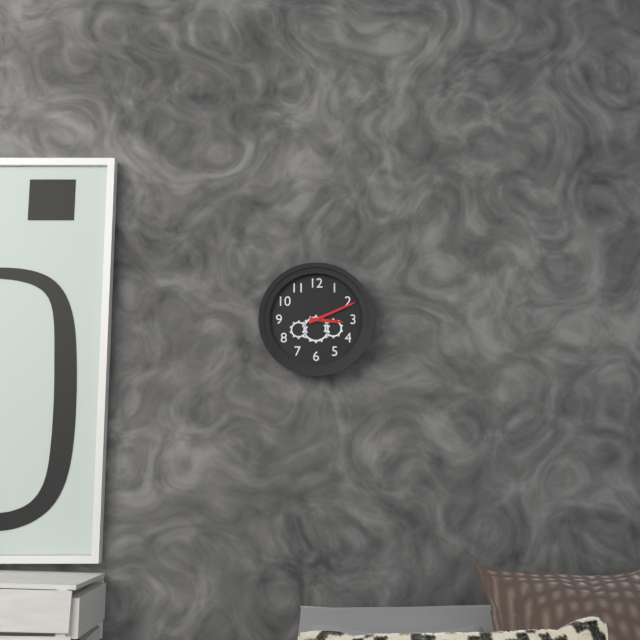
3:11
